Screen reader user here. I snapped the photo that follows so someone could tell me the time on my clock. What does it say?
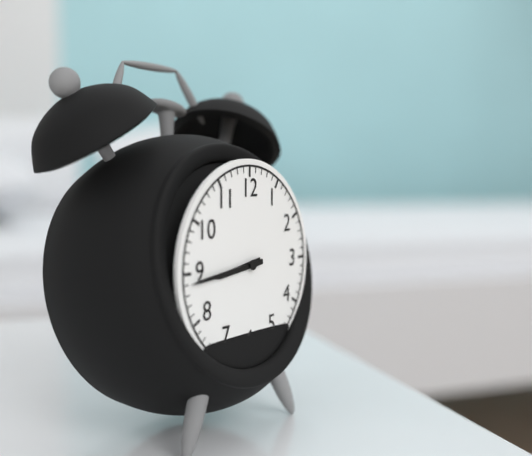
8:44
